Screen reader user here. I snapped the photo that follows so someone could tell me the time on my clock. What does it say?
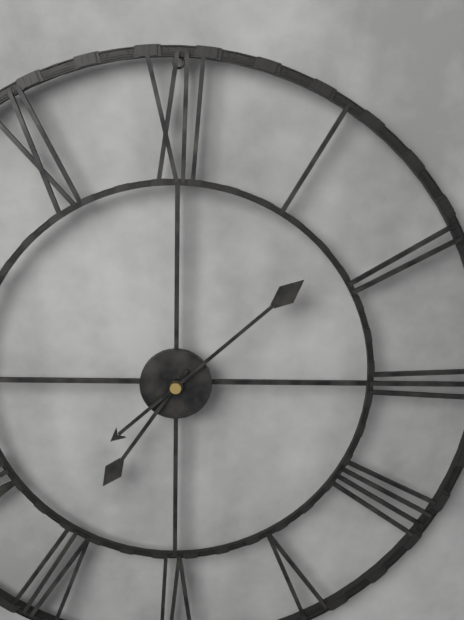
7:08
